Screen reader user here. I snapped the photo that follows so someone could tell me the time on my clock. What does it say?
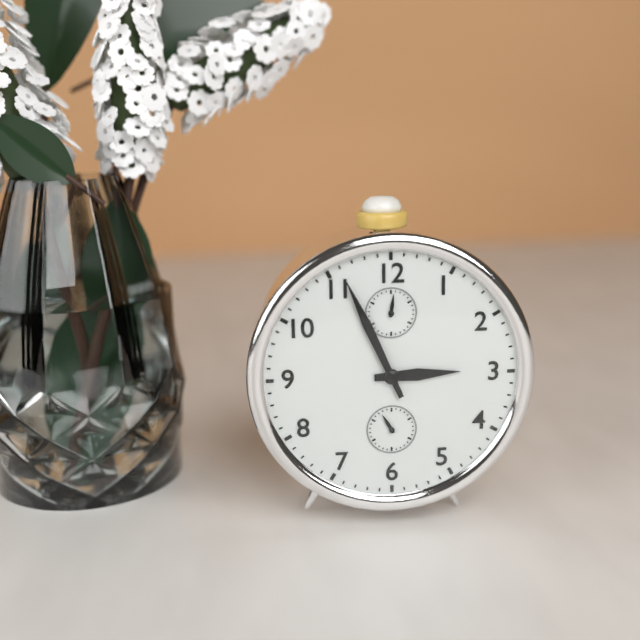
2:56
